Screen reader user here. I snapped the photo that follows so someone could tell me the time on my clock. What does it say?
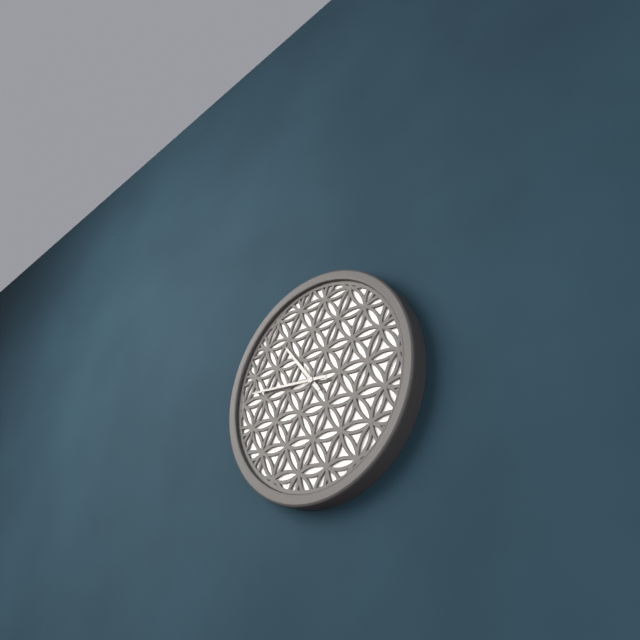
10:46
